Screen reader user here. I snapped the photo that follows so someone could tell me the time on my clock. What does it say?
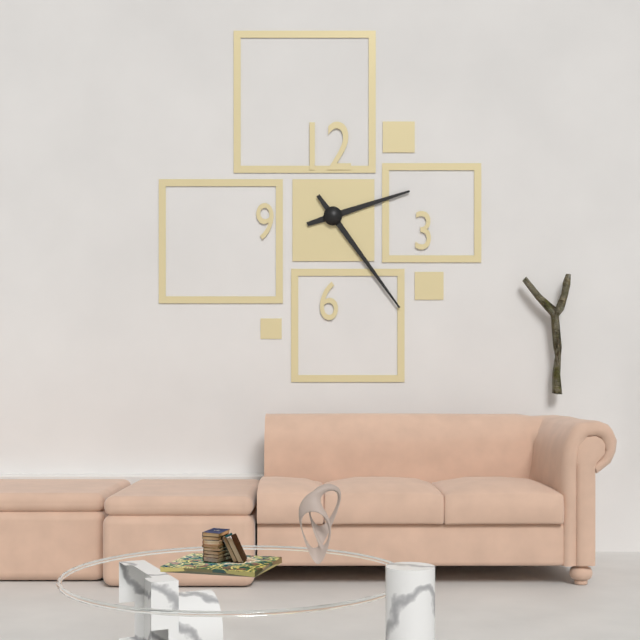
2:24
